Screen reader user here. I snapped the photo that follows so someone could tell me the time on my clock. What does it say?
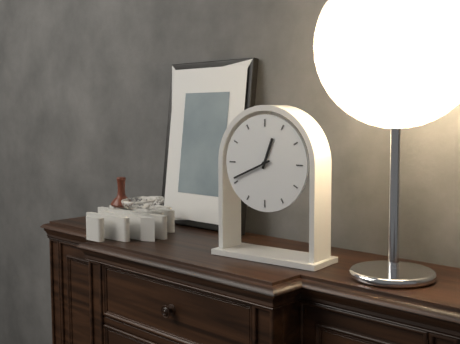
12:41
